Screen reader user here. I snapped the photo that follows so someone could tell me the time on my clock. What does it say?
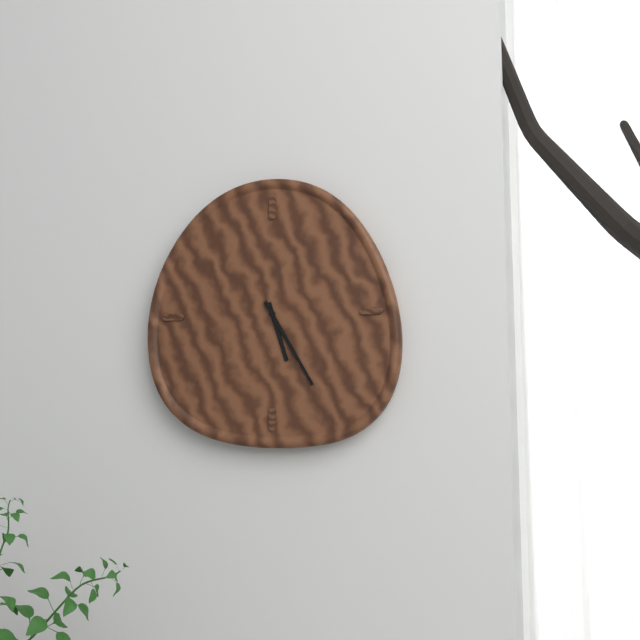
5:25
